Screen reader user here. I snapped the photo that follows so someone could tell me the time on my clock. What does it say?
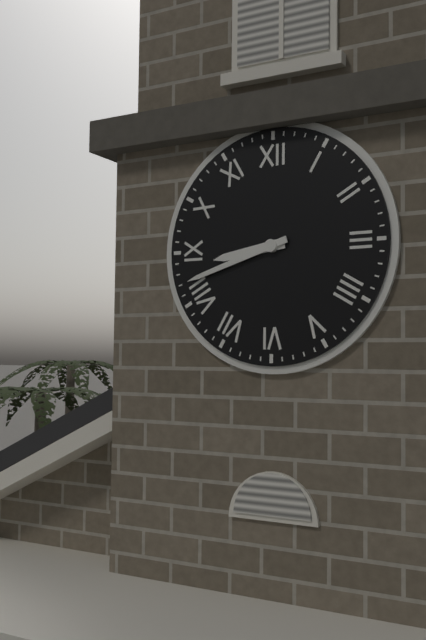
8:42
